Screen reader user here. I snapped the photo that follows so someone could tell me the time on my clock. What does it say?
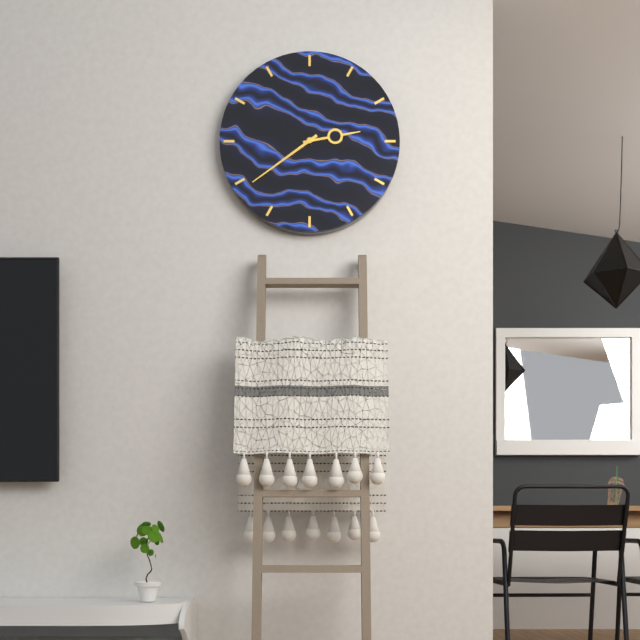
2:39
